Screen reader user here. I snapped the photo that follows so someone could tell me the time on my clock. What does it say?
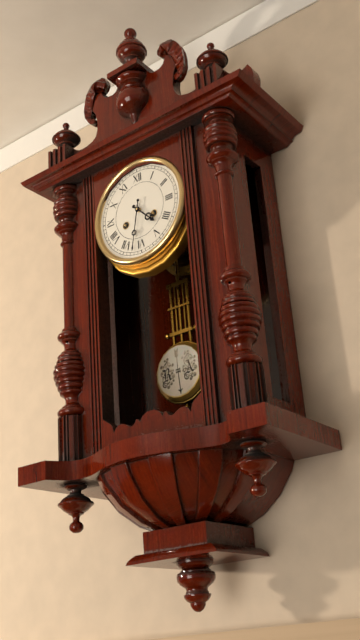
4:32
